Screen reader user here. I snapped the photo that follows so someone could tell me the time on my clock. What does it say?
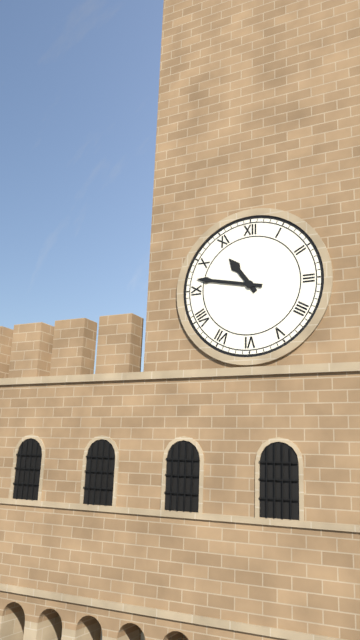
10:47
